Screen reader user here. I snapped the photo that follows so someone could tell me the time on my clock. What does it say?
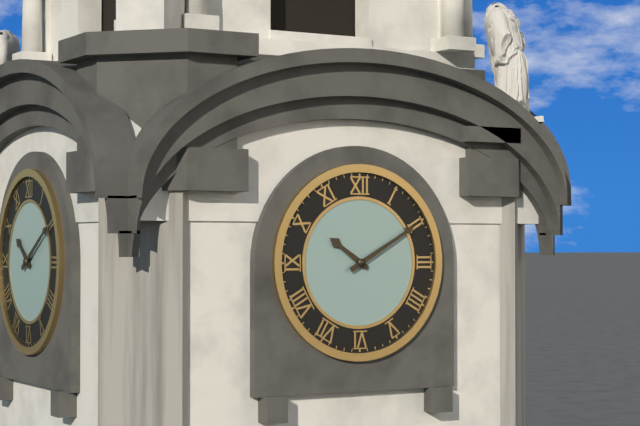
10:10
